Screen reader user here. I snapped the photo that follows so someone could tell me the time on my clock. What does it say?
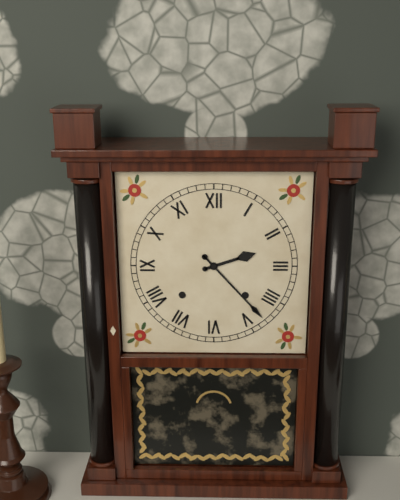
2:23
